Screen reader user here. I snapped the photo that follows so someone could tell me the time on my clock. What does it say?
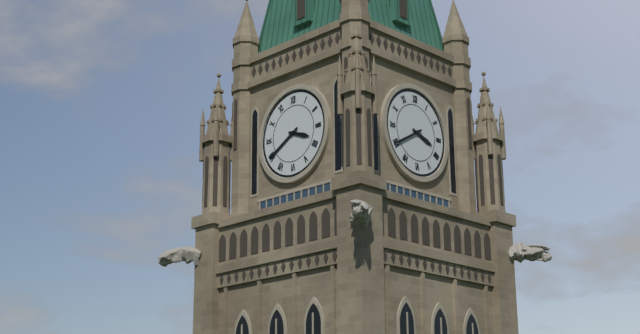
3:40
